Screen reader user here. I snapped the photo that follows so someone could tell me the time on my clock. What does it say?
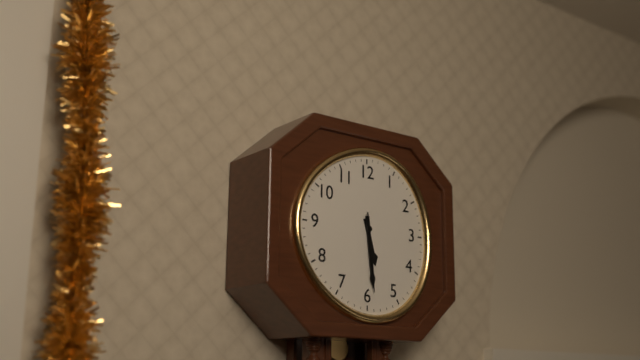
5:29:29
